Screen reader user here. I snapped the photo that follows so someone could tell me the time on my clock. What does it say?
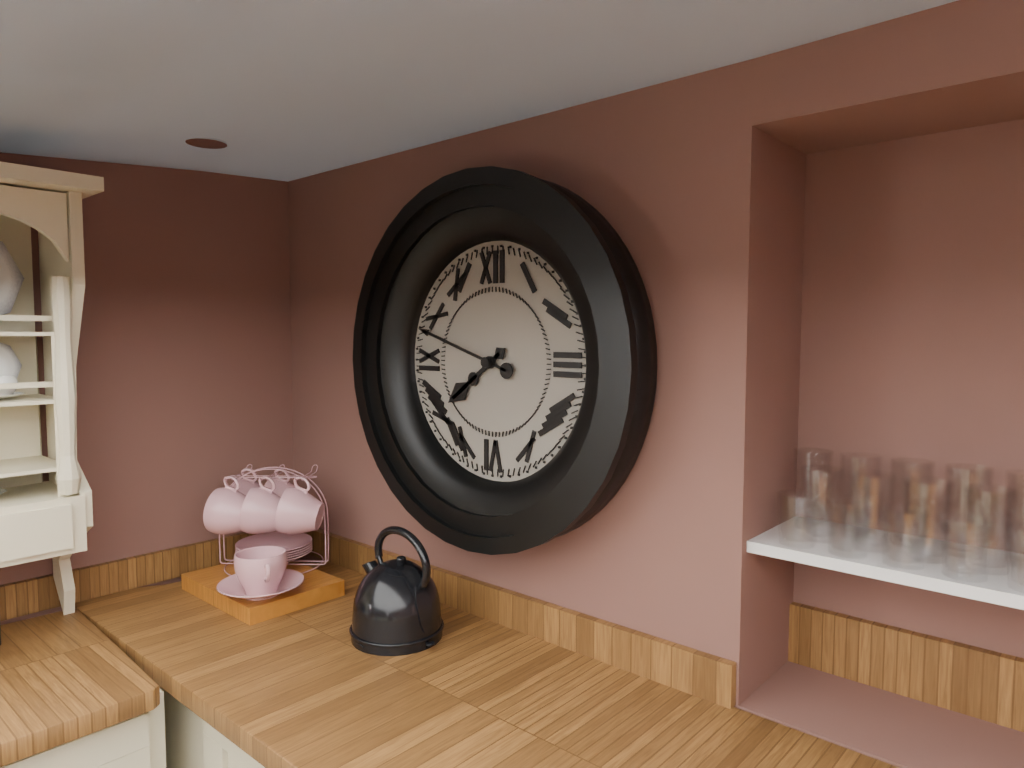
7:48
